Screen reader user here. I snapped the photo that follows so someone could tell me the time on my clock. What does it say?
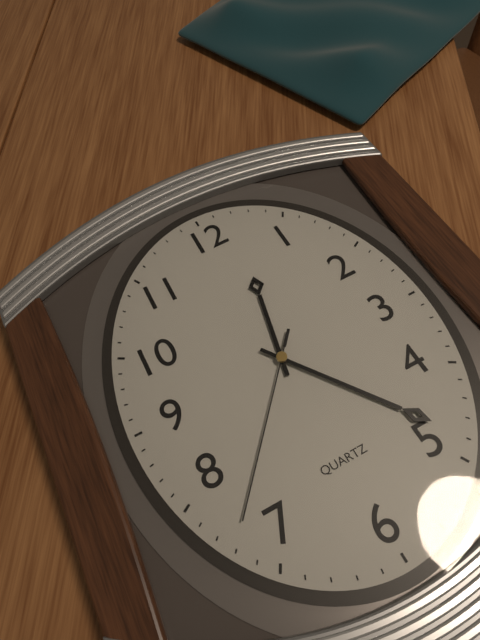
12:24:37
